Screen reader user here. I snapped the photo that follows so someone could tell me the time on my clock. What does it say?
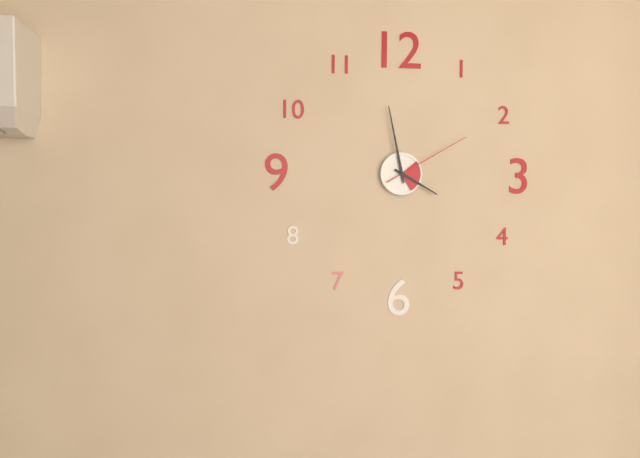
3:58:10
